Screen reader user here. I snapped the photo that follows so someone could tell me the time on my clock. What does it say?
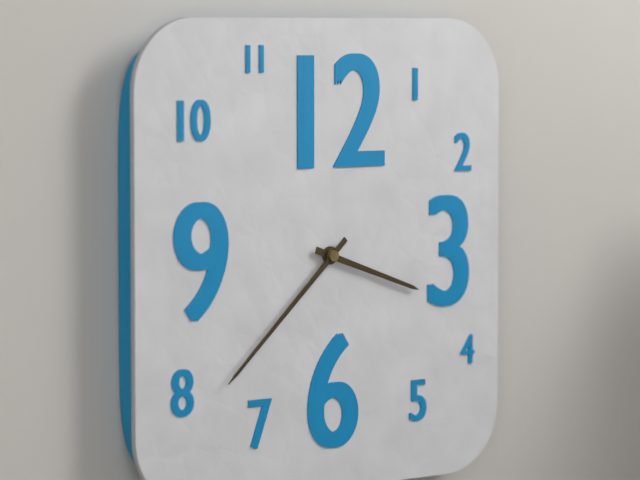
3:38
